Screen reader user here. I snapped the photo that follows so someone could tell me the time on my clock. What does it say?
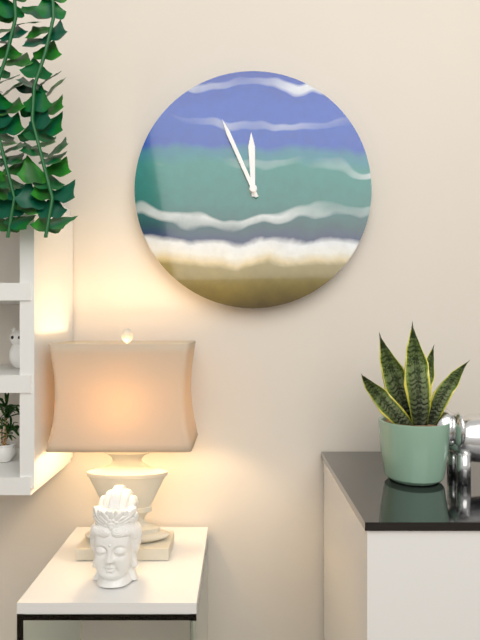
11:56
